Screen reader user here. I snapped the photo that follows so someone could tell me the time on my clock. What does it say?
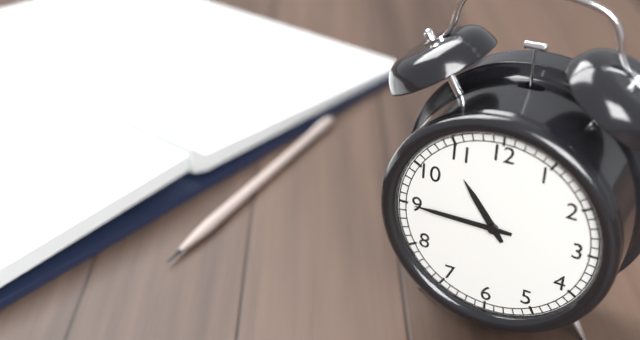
10:45
